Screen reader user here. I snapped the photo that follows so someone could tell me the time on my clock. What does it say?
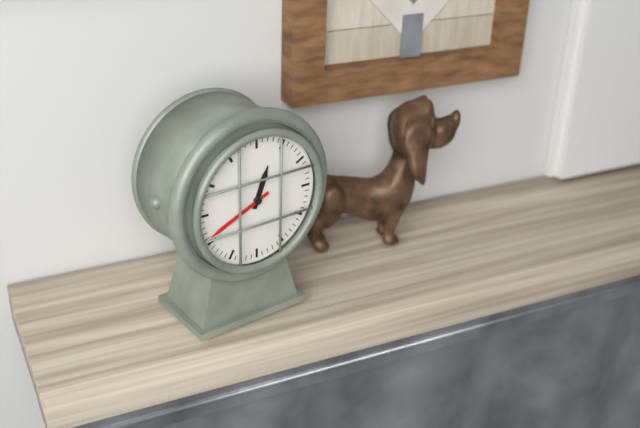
12:41
